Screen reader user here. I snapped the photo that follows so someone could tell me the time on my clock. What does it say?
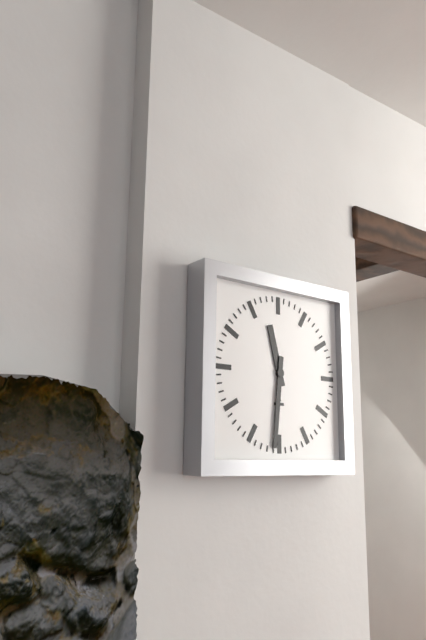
11:31
